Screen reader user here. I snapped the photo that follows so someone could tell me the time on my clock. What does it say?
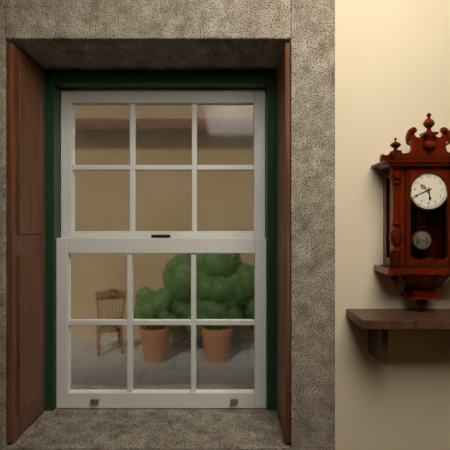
5:41
